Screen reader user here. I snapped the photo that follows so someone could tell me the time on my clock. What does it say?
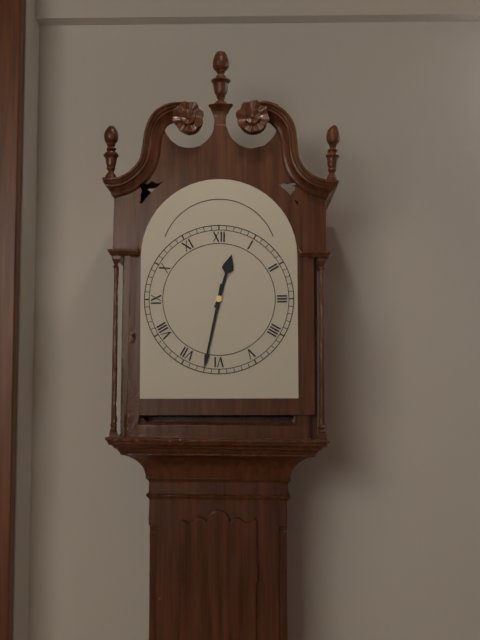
12:32
